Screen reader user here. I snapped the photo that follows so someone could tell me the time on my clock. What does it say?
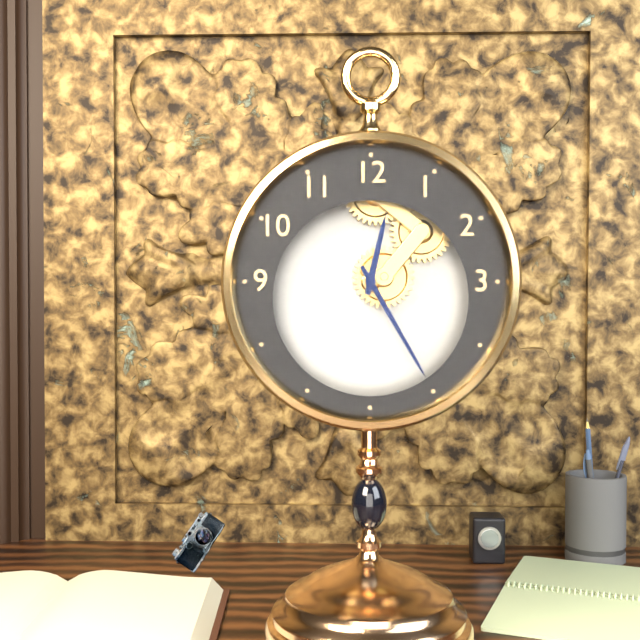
12:25
